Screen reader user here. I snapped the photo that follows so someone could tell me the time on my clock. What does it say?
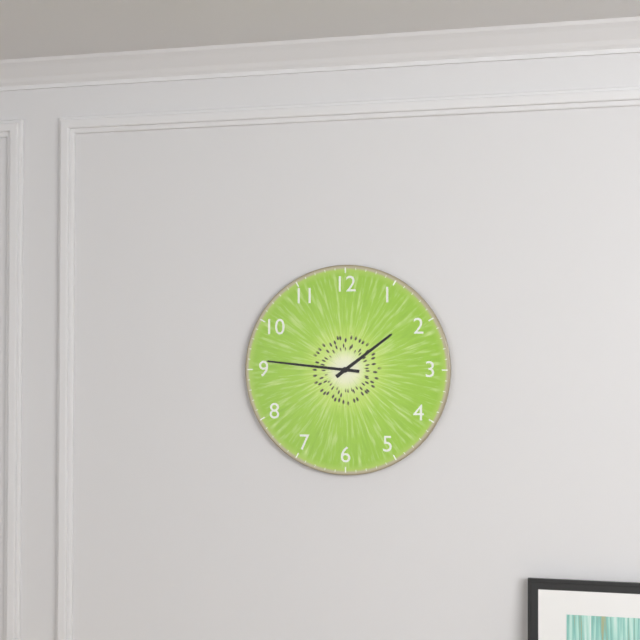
1:46
